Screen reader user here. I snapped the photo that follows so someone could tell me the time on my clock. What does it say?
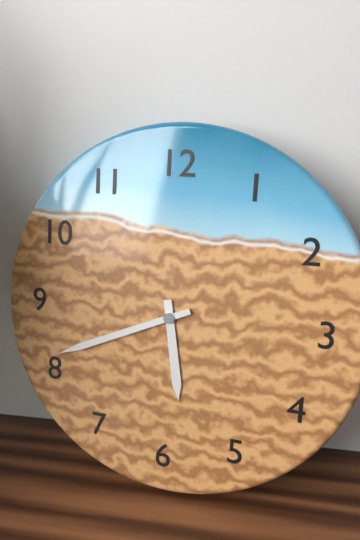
5:41
